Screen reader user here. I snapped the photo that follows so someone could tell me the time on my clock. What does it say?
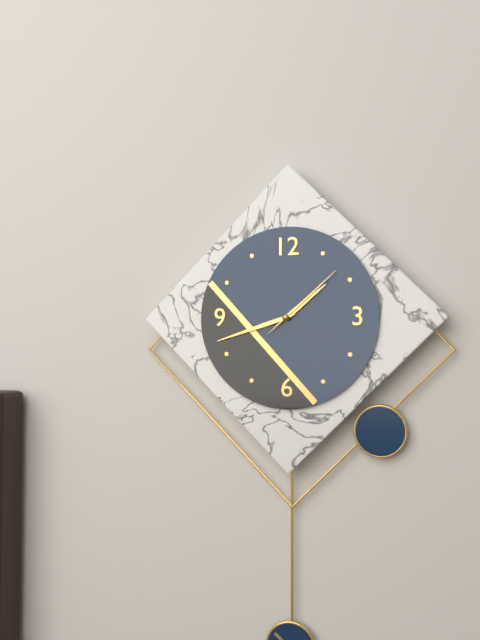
1:42:08
